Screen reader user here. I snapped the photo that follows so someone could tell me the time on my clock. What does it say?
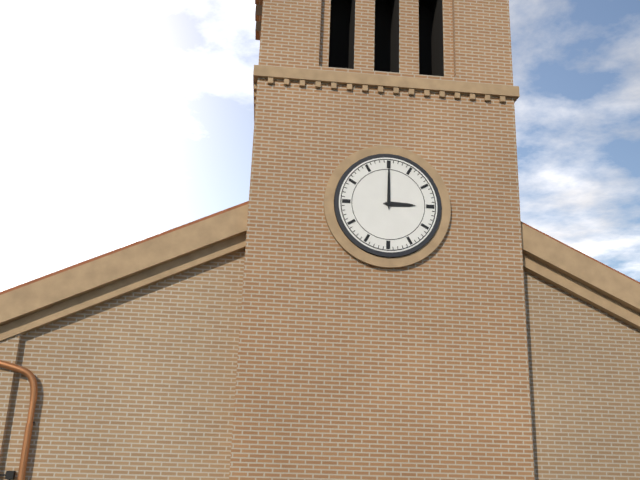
3:00
